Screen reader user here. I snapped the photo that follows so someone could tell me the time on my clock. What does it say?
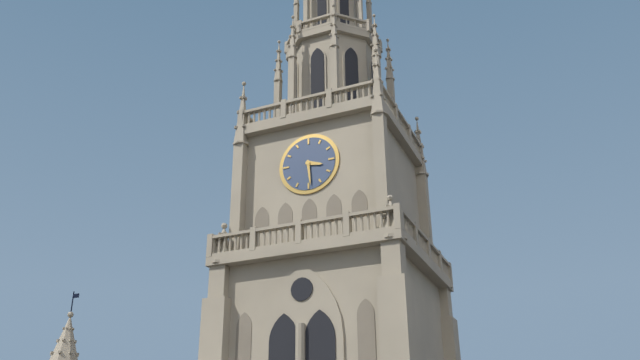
3:29
